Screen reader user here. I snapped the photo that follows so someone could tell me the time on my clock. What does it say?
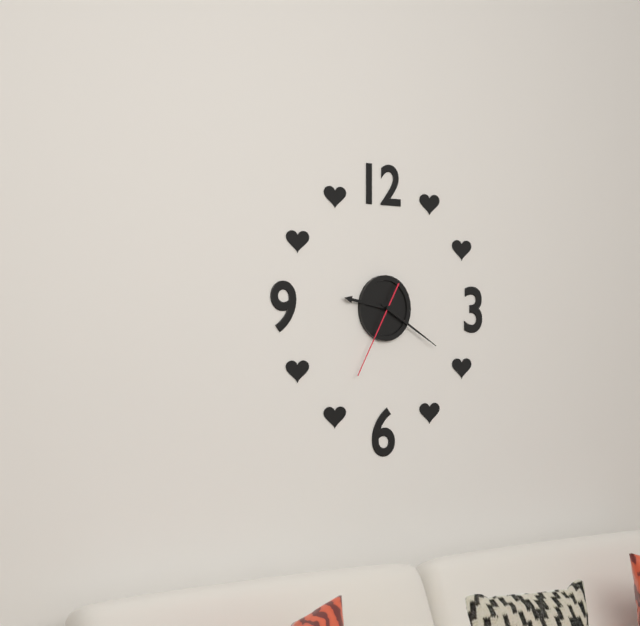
9:20:35
